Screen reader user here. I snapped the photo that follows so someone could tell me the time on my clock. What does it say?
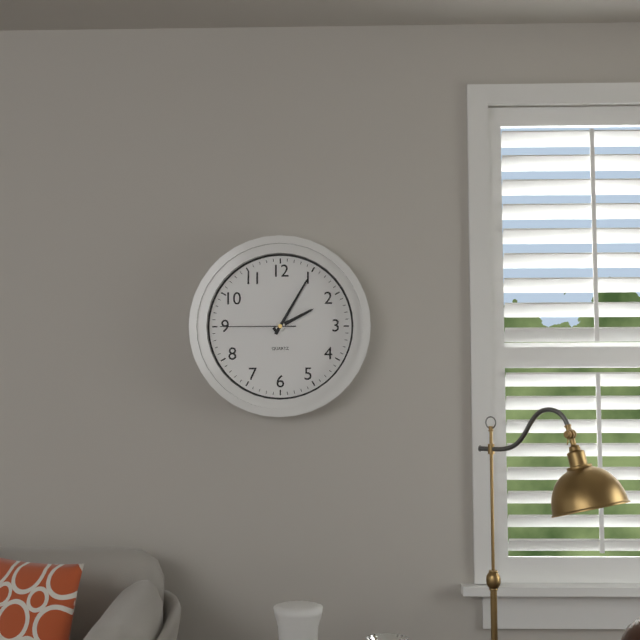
2:05:45
